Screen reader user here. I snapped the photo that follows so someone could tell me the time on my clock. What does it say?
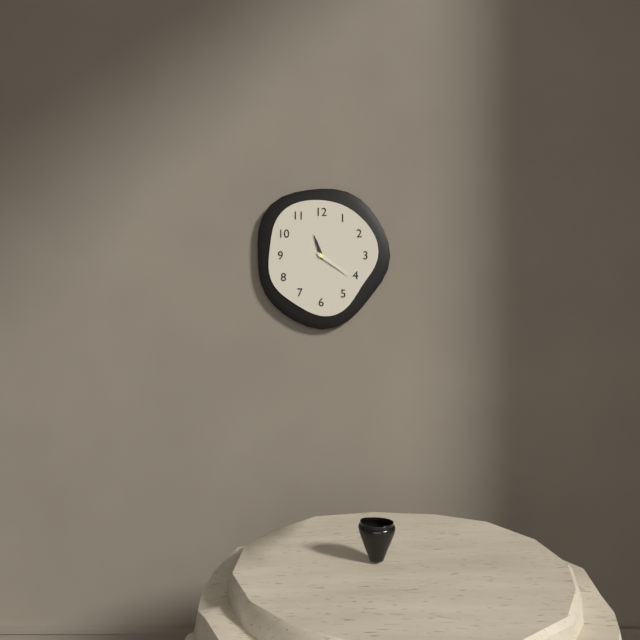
11:21
